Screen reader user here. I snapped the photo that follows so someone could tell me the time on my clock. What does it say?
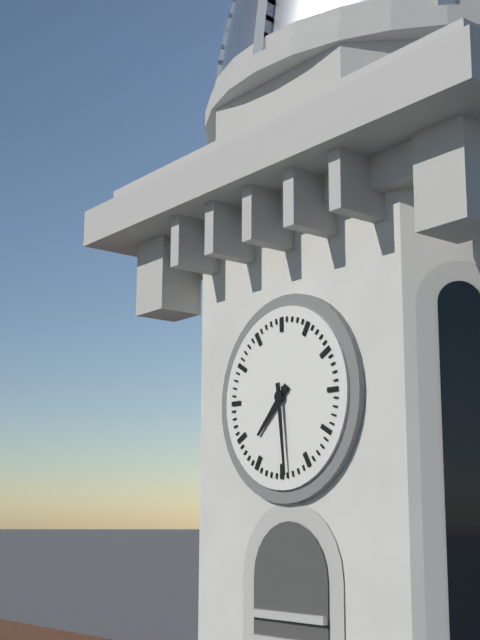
7:29
